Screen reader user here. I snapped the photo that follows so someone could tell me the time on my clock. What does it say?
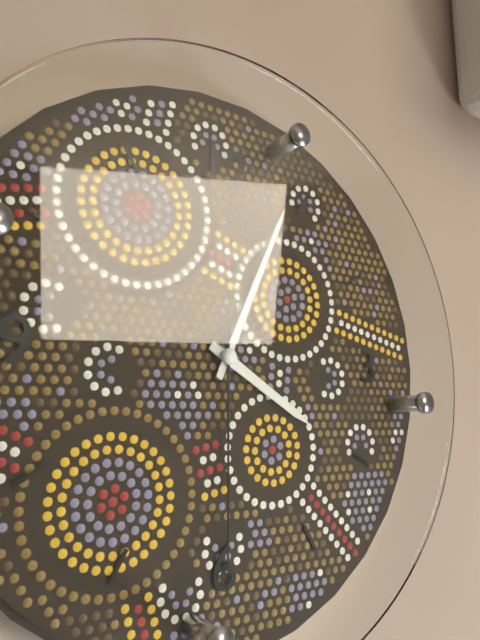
4:04:30
